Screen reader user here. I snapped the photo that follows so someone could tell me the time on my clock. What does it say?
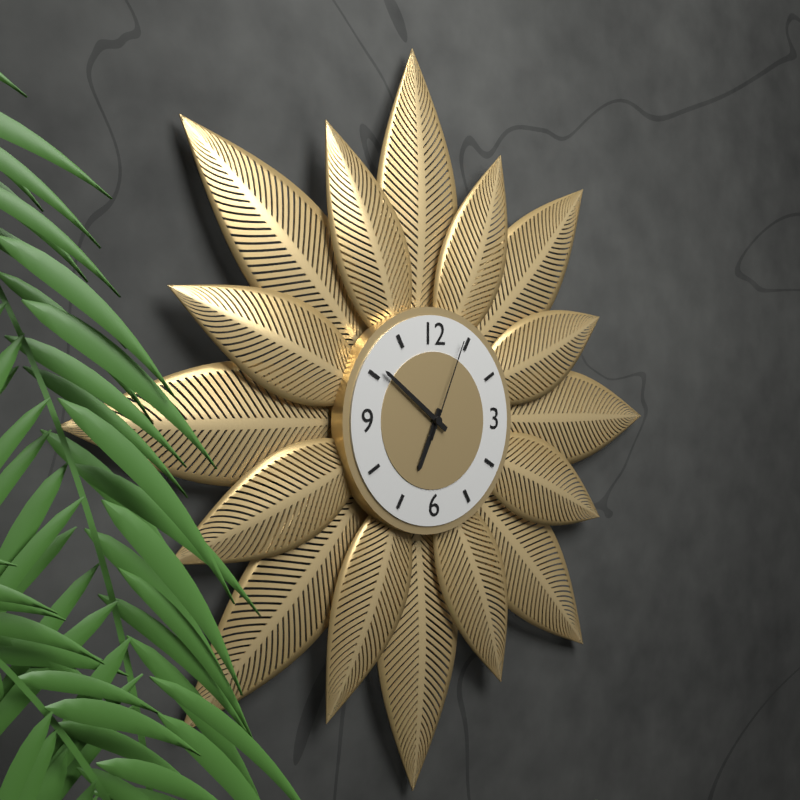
6:51:04
